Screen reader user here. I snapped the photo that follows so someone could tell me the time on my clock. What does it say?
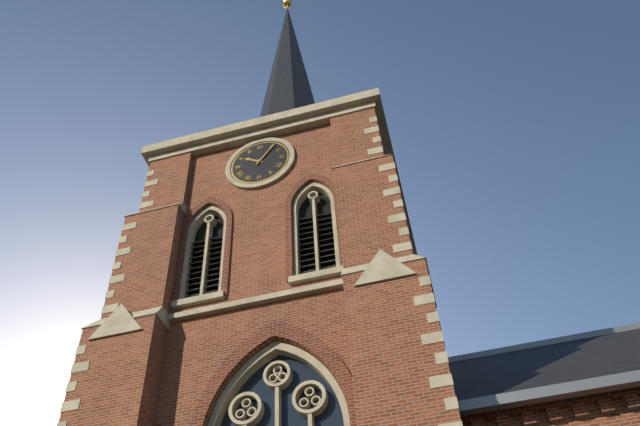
10:06
